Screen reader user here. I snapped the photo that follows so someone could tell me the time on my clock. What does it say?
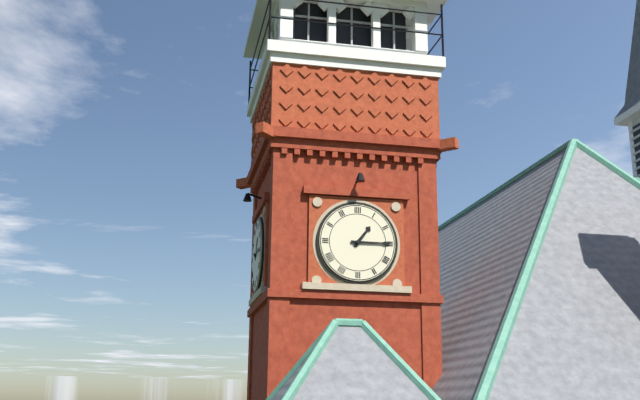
1:15
